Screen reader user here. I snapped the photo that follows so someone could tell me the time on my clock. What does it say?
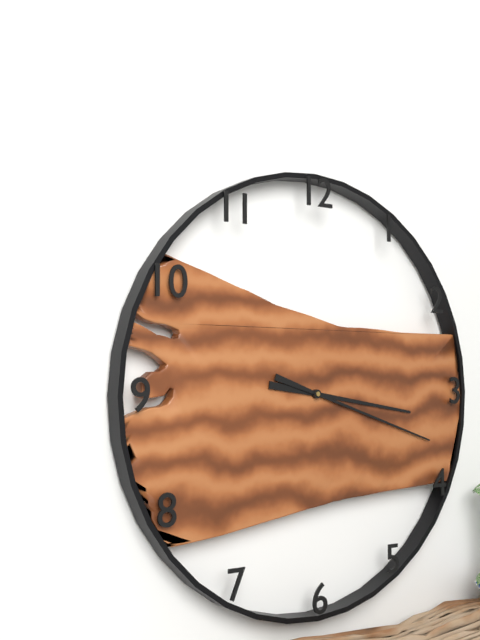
3:18
